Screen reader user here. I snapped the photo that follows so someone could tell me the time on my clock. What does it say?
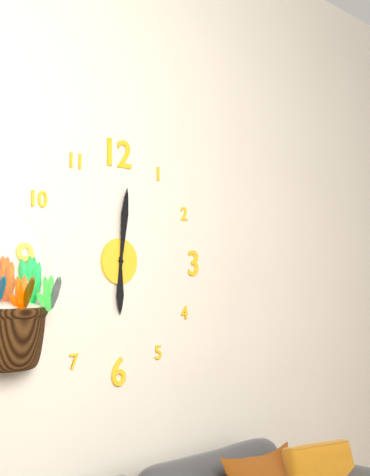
6:01
